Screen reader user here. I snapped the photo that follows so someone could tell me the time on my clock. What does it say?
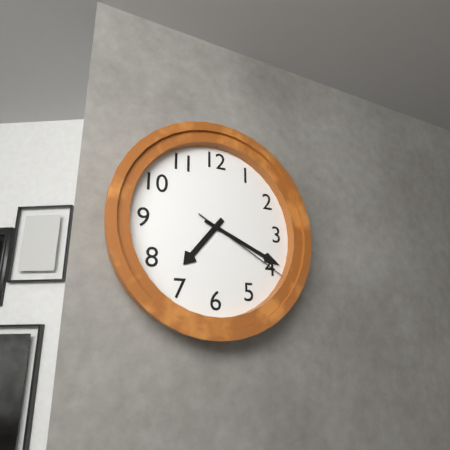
7:19:20
